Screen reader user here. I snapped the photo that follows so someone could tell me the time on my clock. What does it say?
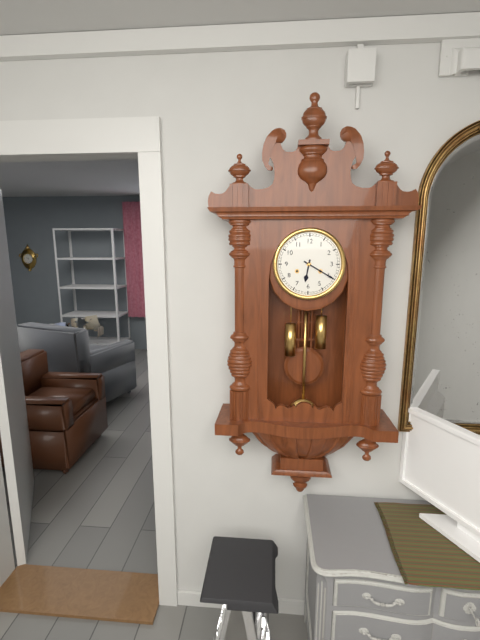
6:20
